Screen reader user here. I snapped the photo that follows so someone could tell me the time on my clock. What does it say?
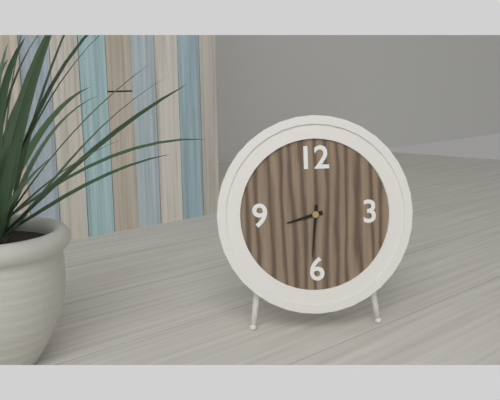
8:31
